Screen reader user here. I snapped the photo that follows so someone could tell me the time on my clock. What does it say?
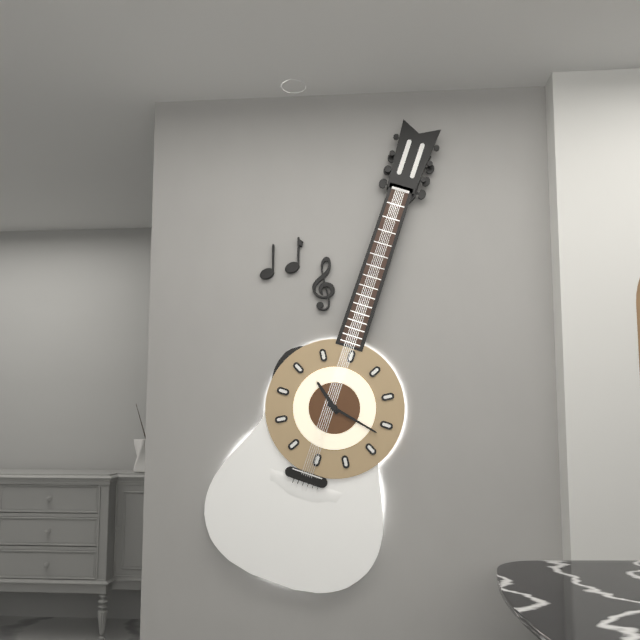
10:17
